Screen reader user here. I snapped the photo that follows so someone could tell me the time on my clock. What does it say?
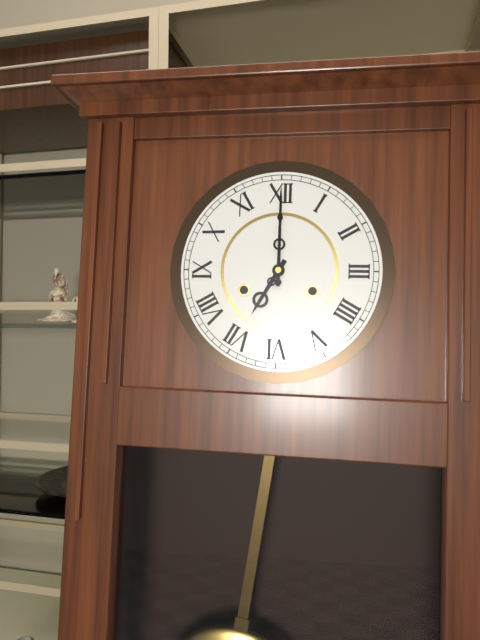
7:00
